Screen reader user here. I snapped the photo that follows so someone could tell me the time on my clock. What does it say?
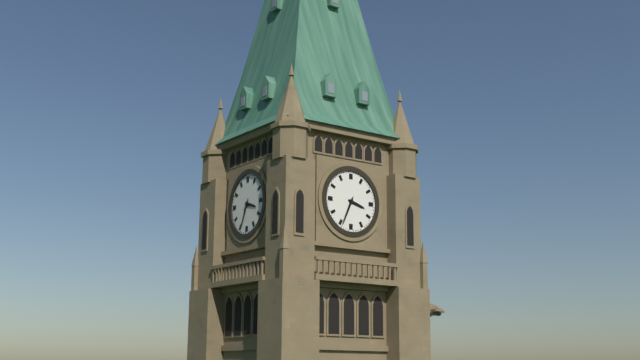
3:34
